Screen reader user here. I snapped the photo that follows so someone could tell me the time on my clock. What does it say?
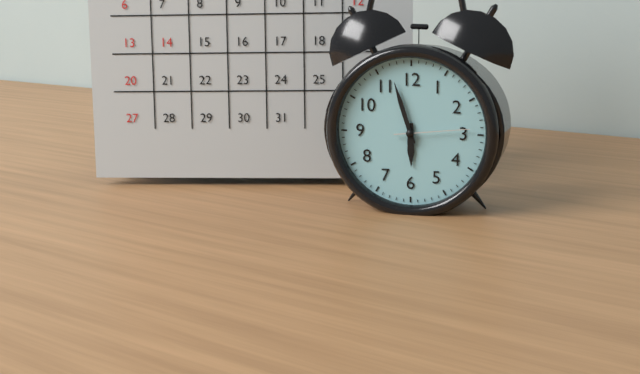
5:57:14
